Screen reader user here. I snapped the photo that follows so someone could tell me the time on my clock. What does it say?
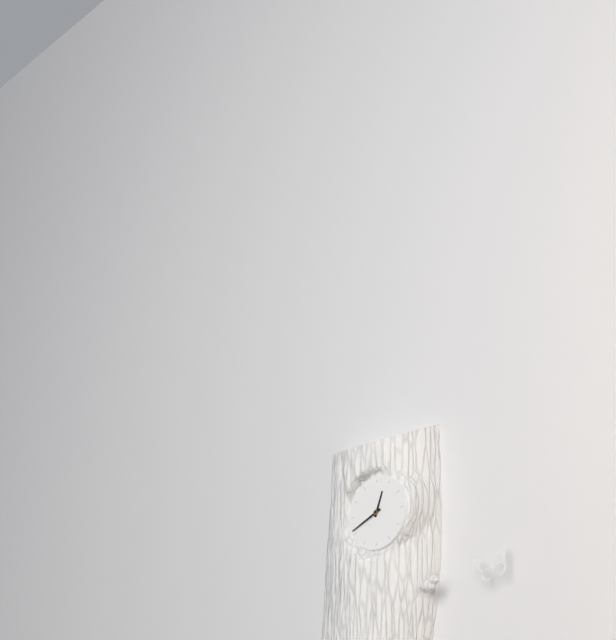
12:41
